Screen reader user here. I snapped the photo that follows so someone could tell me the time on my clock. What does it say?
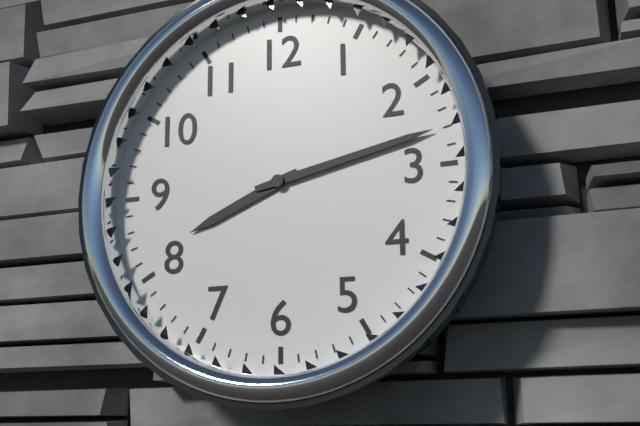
8:13
